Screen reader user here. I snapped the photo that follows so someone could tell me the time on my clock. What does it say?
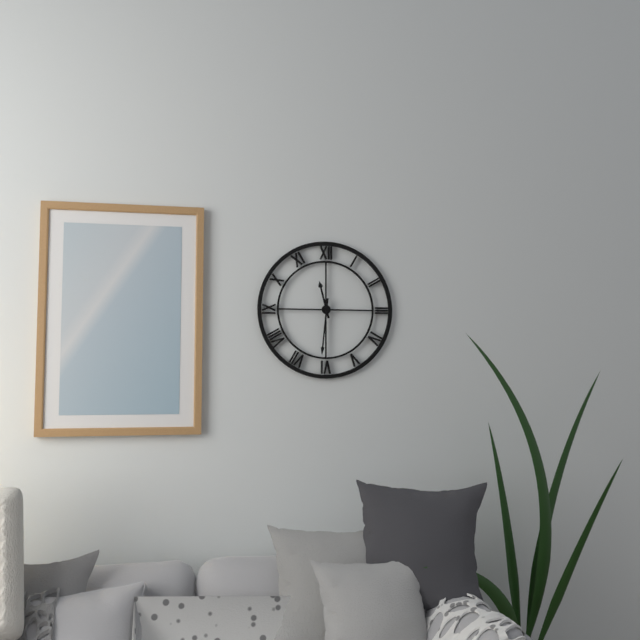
11:31
